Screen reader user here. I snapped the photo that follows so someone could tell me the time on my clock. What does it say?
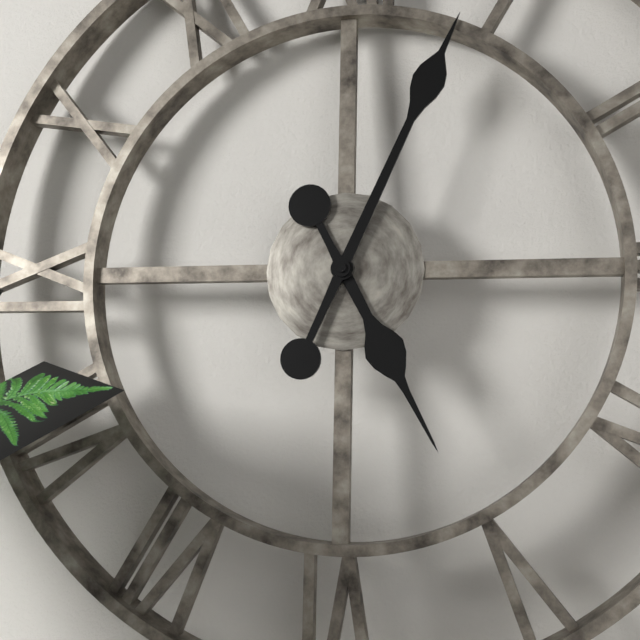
5:04
